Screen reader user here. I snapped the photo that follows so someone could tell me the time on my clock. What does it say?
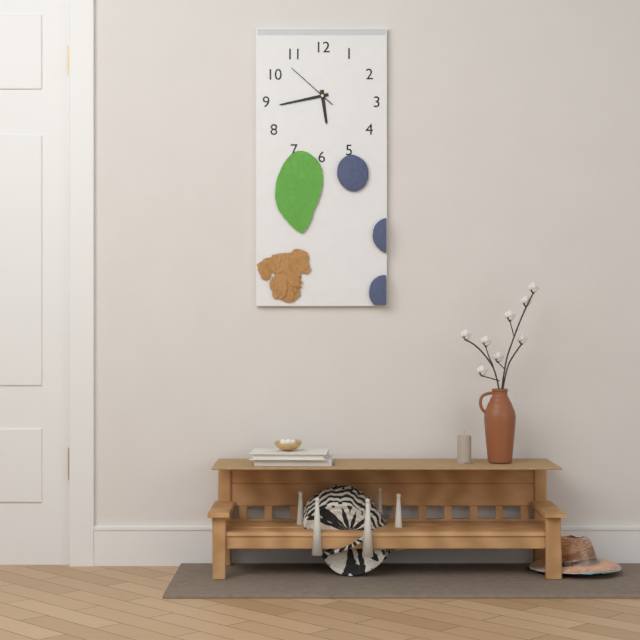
5:43:52
